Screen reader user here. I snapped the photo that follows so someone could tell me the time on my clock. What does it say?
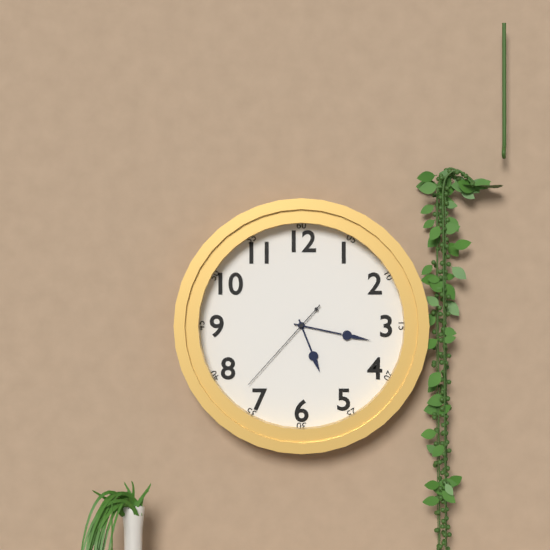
5:17:37
